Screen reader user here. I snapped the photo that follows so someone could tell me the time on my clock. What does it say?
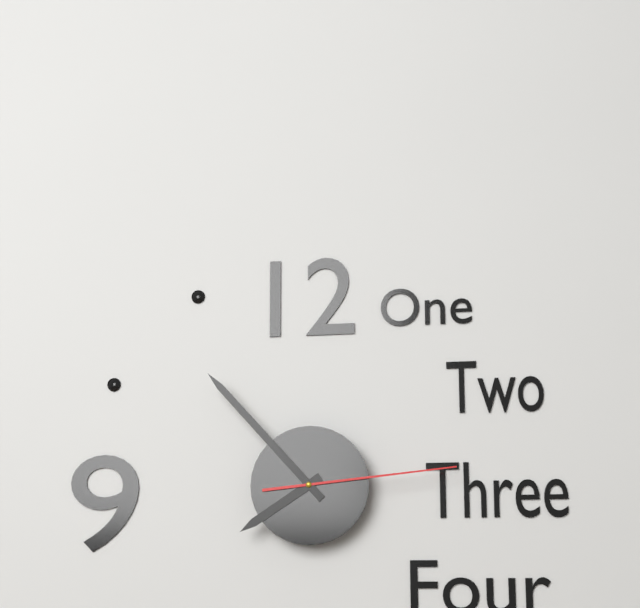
7:53:14
